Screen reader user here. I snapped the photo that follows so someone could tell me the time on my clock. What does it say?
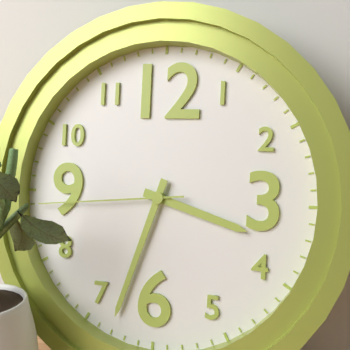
3:33:44
